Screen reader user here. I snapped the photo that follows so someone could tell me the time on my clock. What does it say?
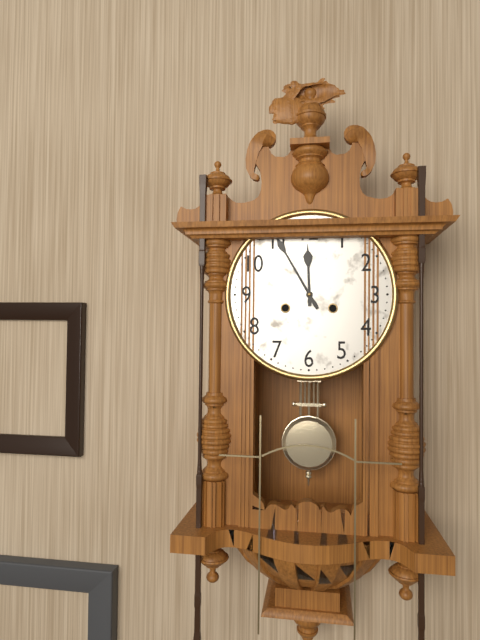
11:55
